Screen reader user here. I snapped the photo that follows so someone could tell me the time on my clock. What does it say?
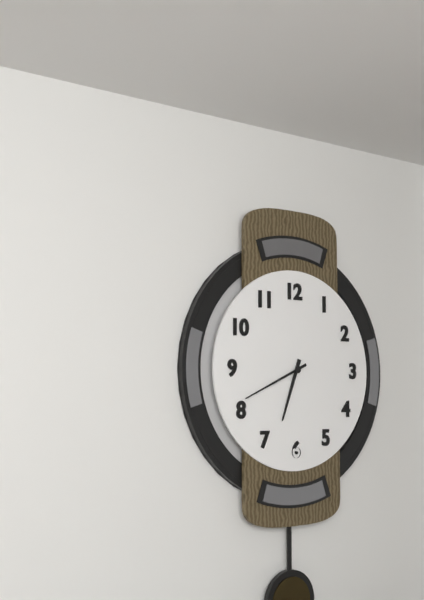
6:41
